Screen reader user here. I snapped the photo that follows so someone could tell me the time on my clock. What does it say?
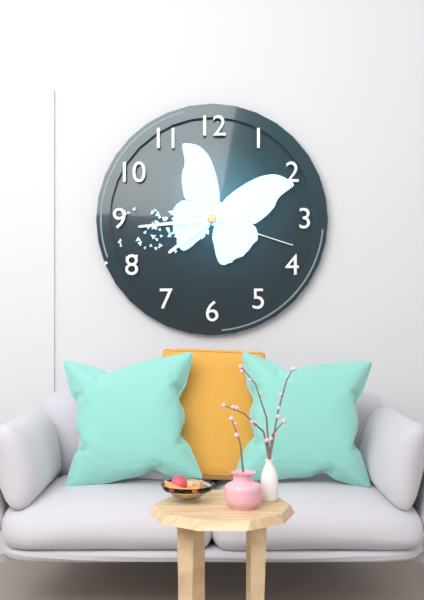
7:44:18
